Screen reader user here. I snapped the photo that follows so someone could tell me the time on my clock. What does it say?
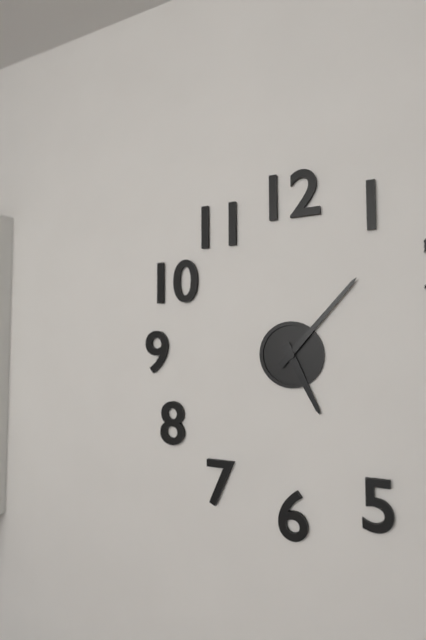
5:07
